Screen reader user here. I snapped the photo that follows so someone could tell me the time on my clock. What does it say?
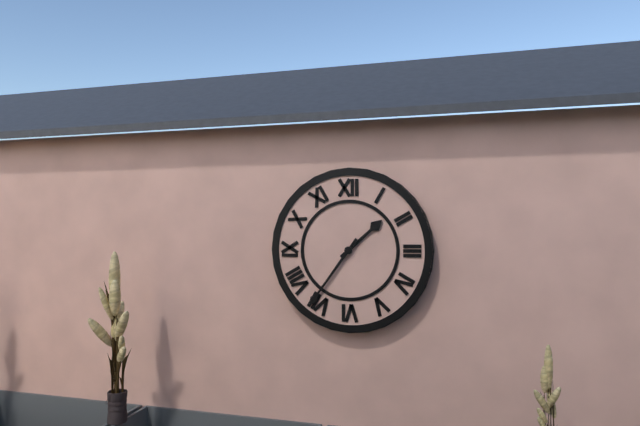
1:36
